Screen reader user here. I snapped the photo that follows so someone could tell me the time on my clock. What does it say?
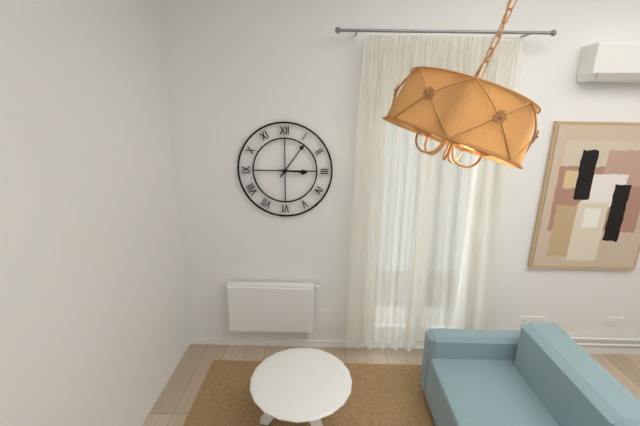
3:06
